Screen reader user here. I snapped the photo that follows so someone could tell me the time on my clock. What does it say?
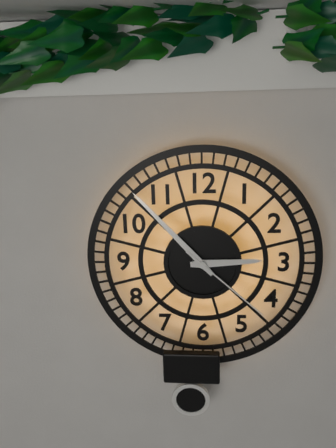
2:53:22
